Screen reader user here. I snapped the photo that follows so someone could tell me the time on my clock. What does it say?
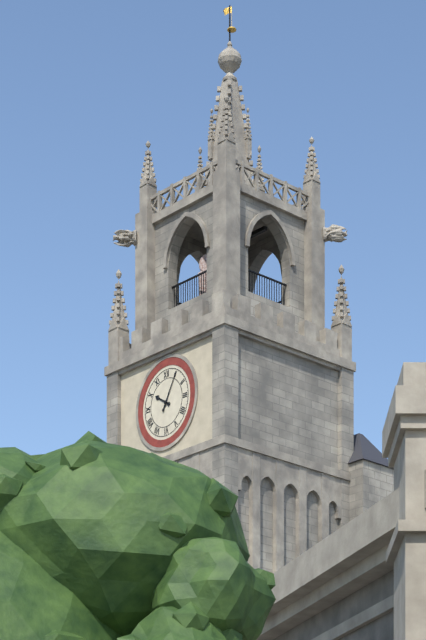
10:05
